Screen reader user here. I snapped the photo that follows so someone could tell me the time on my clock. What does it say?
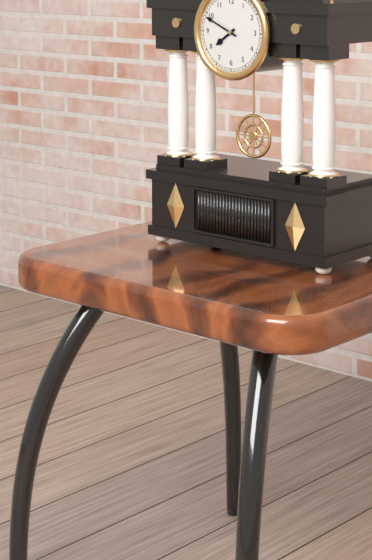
7:49
